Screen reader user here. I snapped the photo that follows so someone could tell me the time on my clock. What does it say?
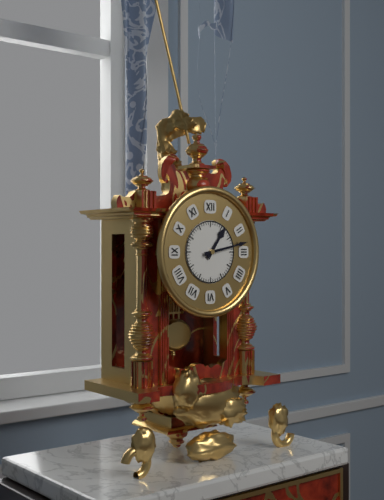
1:13
